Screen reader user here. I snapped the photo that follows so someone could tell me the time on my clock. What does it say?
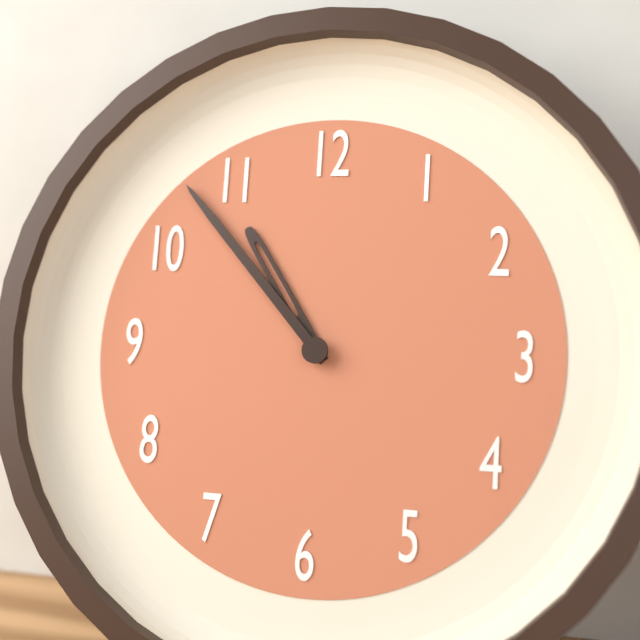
10:53
